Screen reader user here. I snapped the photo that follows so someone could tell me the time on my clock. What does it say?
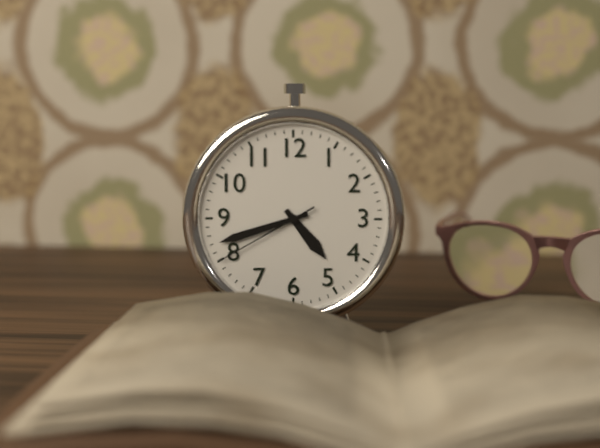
4:42:40
